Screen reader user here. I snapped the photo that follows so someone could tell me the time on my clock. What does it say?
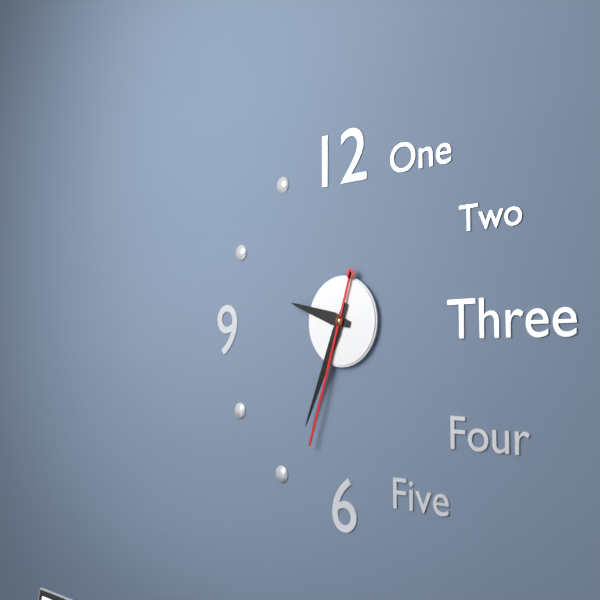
9:34:33
